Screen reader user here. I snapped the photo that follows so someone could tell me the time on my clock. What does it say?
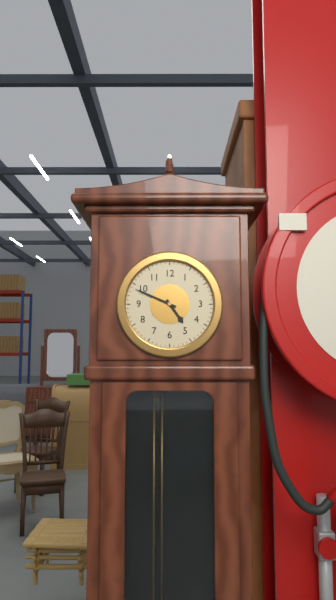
4:49
